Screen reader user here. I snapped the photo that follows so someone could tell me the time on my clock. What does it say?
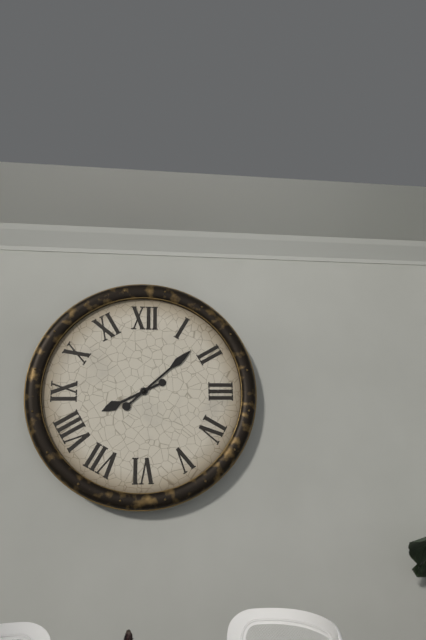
8:08
